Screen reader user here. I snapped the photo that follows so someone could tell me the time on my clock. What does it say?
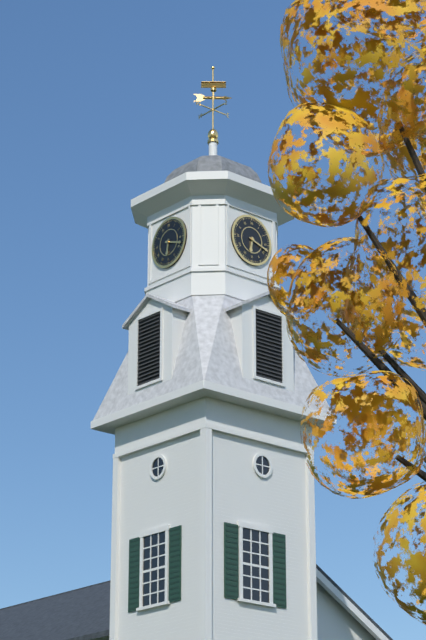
6:18
